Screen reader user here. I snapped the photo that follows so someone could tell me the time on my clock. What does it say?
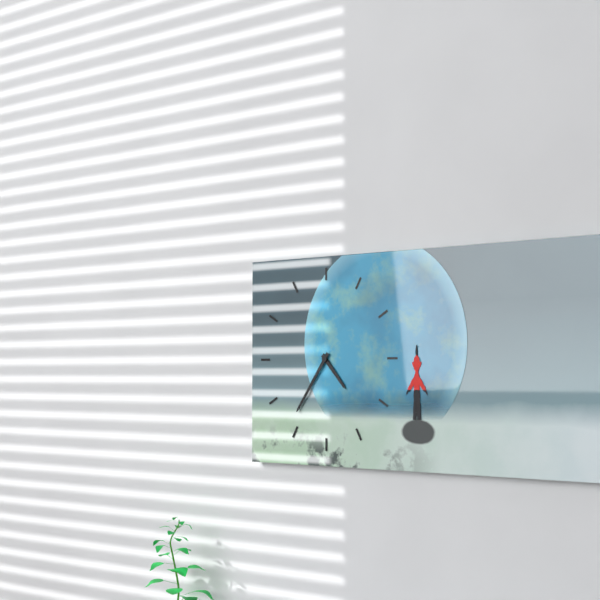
4:36
